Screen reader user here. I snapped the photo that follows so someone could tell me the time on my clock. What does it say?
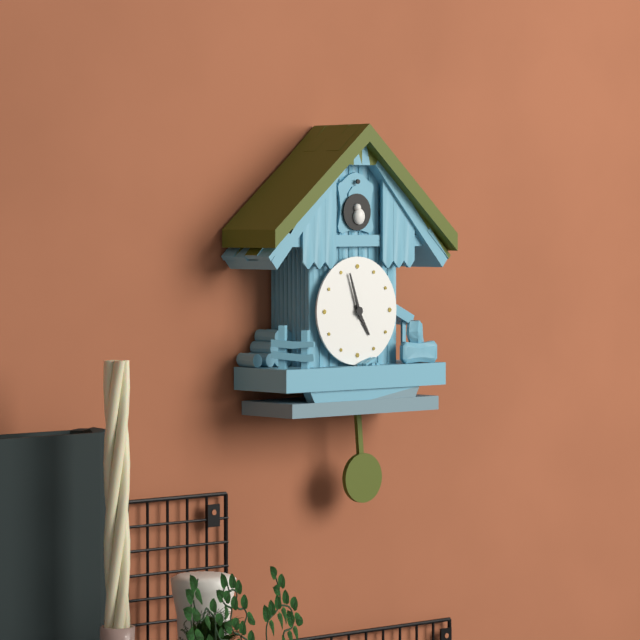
4:57
